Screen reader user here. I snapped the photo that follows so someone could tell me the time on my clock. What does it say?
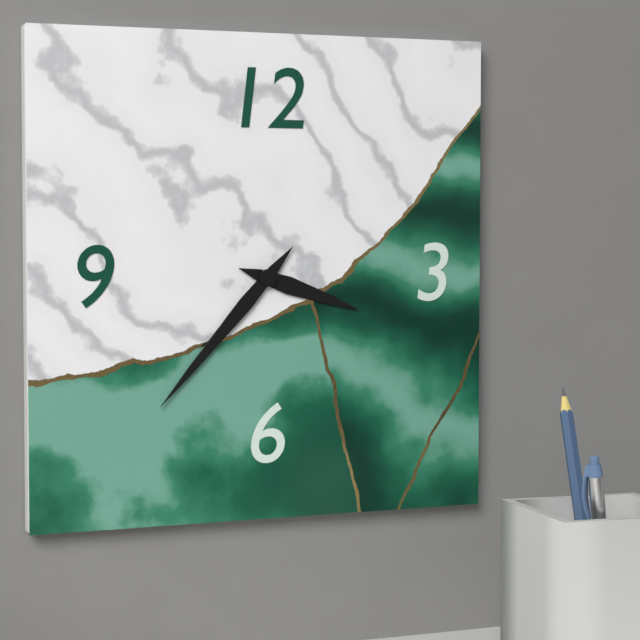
3:37
